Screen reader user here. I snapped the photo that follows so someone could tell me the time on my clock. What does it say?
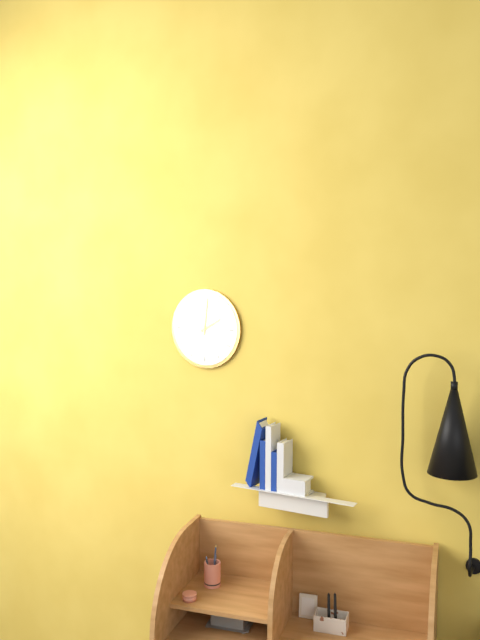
2:01
